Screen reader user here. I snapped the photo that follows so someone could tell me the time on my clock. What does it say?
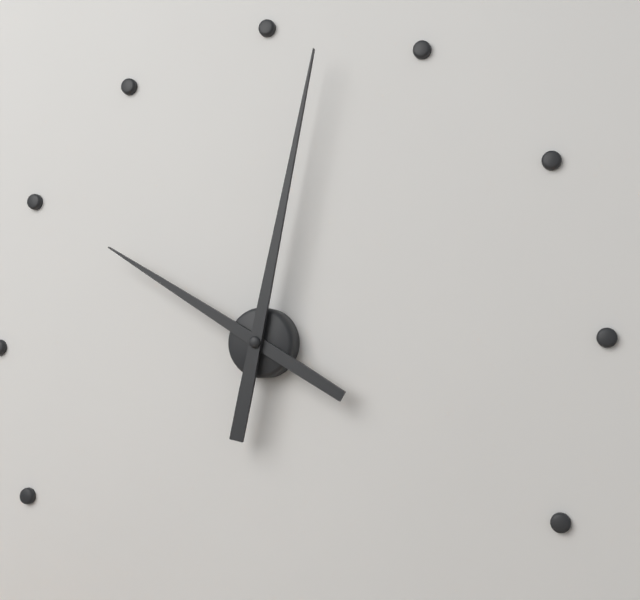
10:02
